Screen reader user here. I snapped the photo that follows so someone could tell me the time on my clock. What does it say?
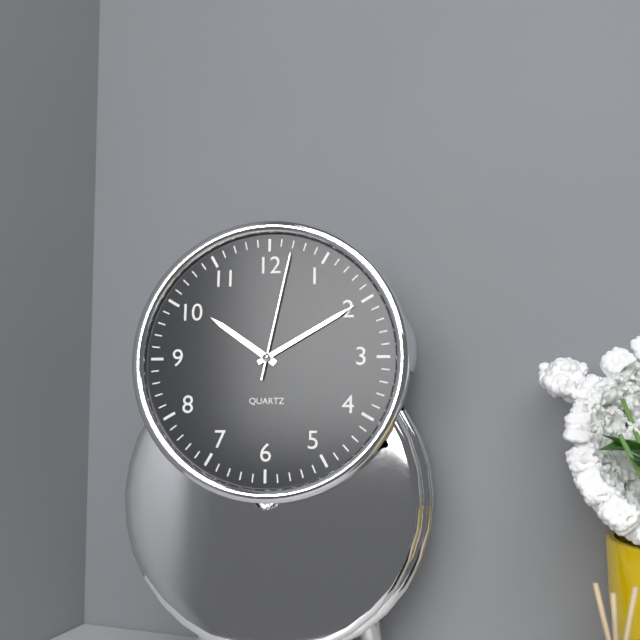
10:10:02
